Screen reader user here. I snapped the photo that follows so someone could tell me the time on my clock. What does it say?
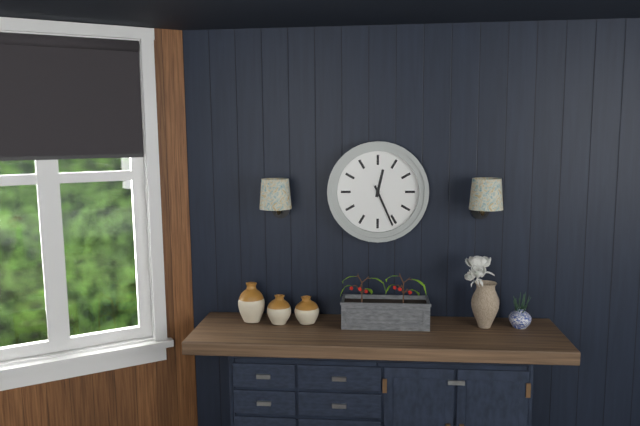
12:26
